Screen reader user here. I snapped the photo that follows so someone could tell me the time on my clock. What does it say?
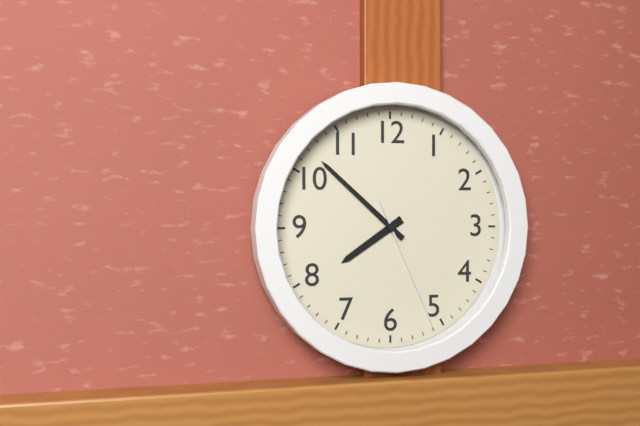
7:52:26
